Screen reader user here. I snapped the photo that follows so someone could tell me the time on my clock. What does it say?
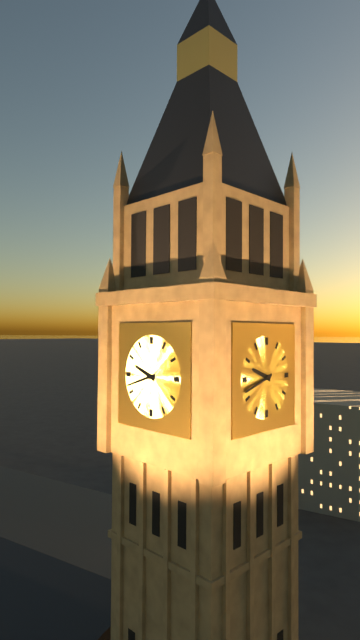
9:42
